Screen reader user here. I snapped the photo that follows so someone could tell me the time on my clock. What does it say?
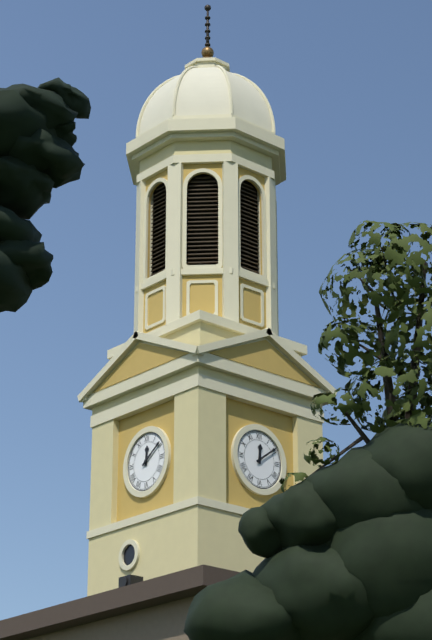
12:09
